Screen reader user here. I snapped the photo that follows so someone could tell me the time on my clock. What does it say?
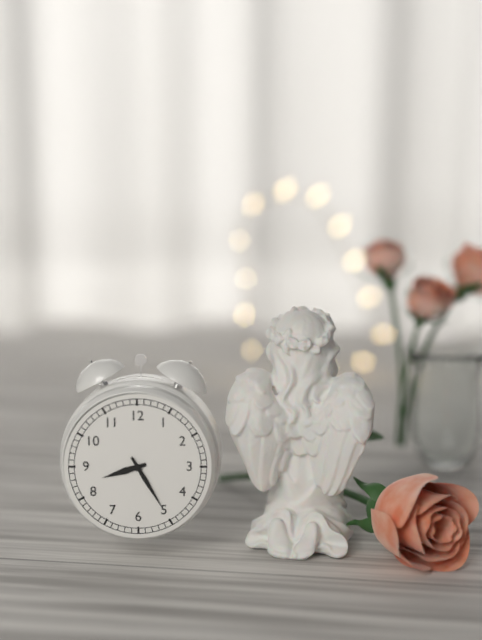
8:25
